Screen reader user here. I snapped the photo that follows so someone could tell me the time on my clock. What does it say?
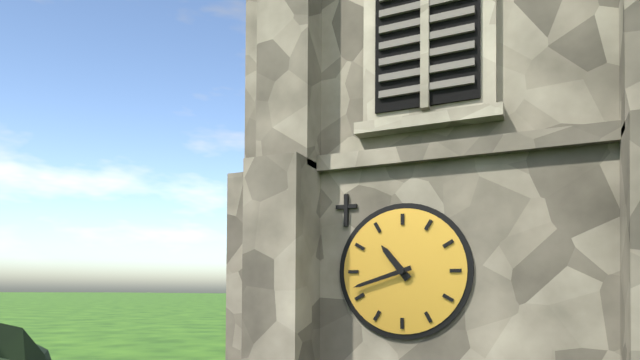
10:42
